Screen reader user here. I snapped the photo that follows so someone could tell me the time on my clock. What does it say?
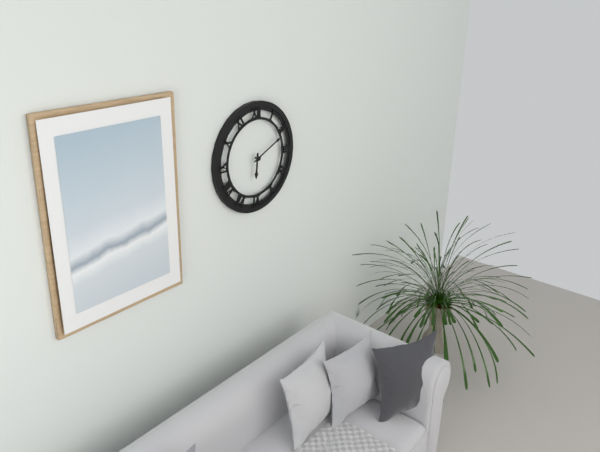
6:11
